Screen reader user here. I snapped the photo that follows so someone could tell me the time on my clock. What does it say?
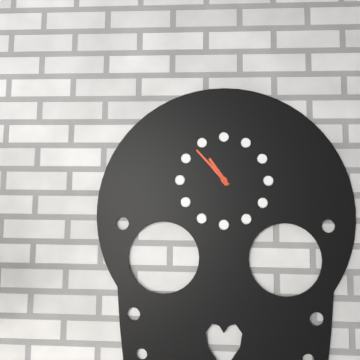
10:53
